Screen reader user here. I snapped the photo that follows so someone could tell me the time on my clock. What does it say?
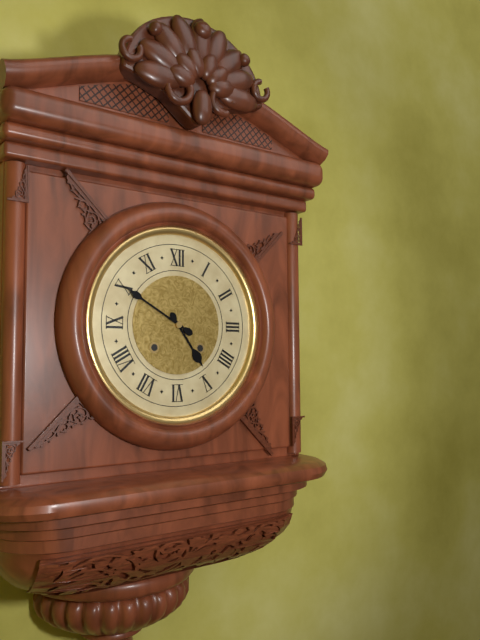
4:50
